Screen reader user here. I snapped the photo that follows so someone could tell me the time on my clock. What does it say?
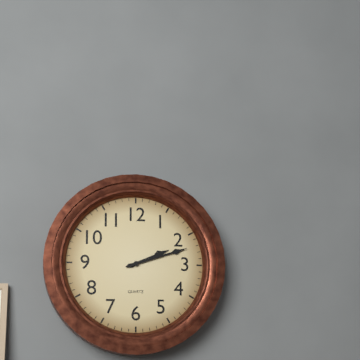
2:12
